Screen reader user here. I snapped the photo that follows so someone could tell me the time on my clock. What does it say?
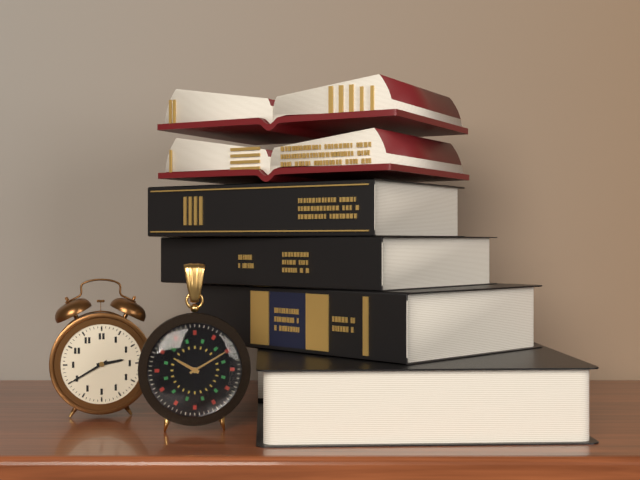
2:40
